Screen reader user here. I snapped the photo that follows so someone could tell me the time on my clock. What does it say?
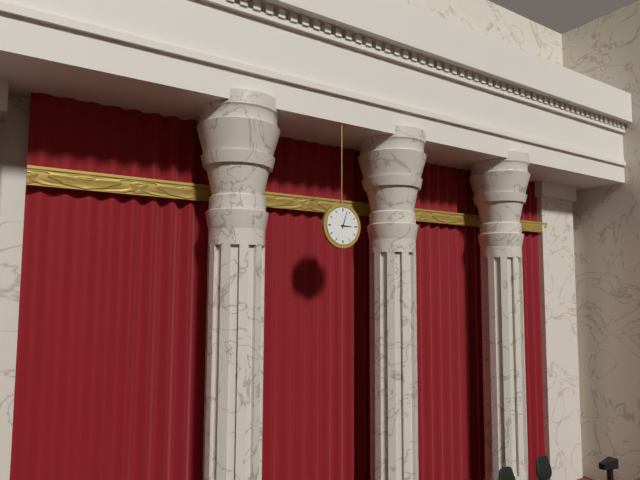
3:03
